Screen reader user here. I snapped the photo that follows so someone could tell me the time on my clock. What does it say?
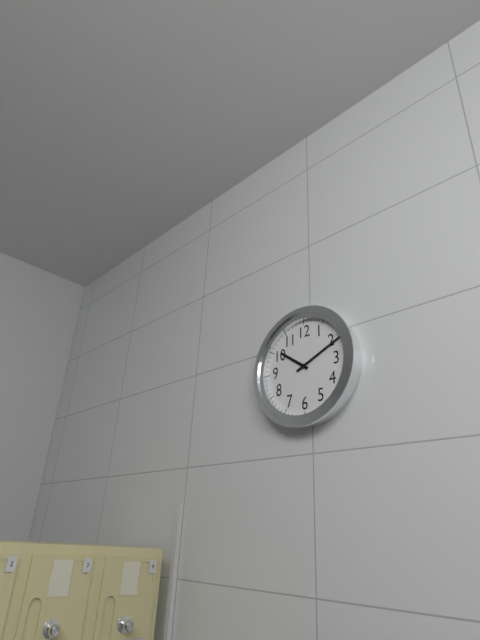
10:11
